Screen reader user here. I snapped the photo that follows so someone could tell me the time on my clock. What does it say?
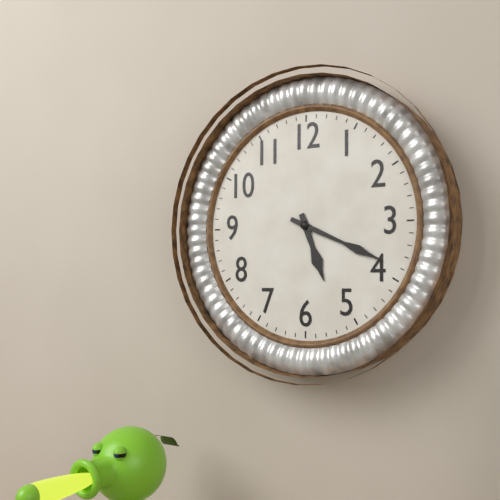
5:19
